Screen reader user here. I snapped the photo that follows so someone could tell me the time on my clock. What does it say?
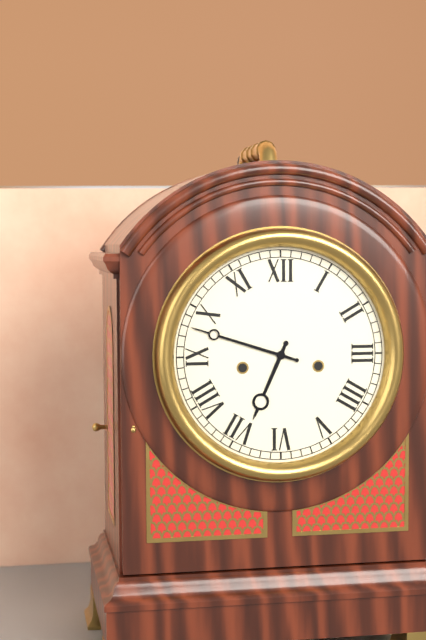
6:48
